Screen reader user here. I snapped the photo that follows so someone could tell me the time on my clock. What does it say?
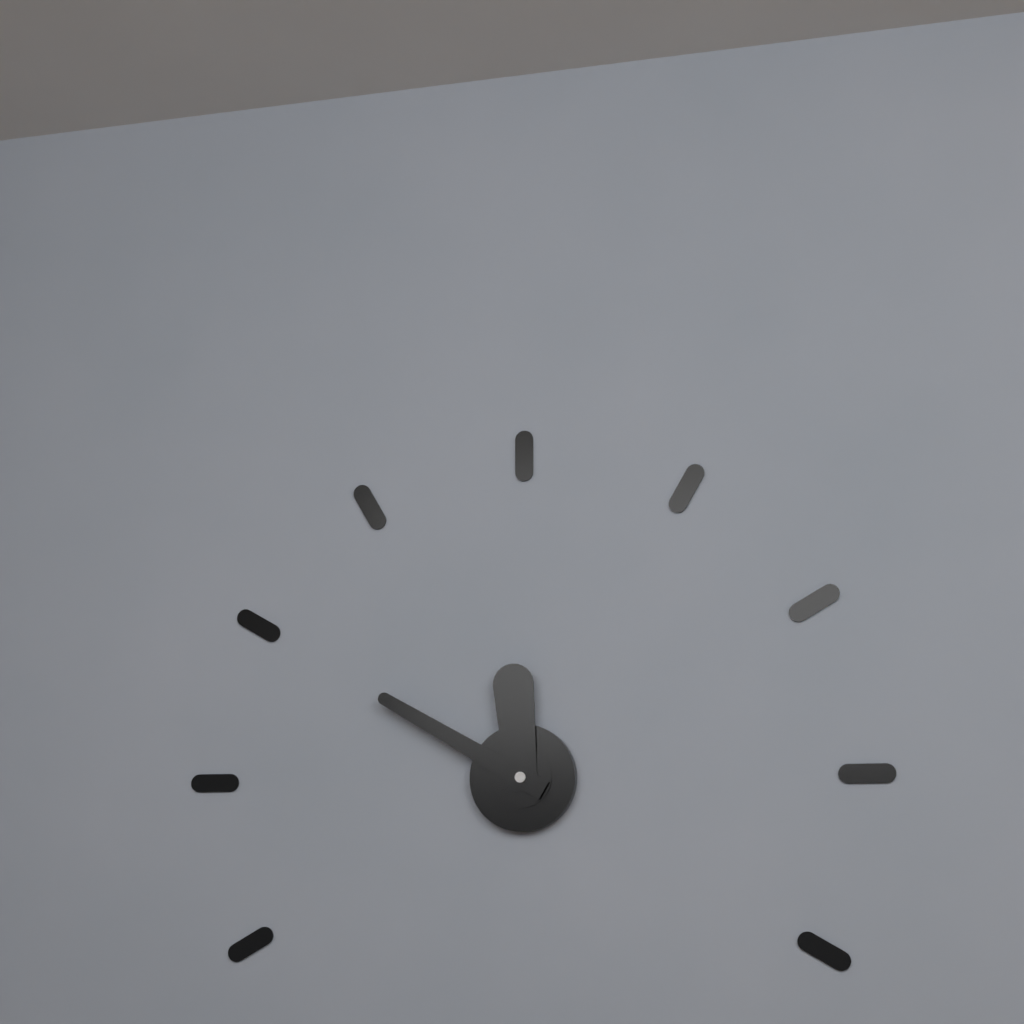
11:50
